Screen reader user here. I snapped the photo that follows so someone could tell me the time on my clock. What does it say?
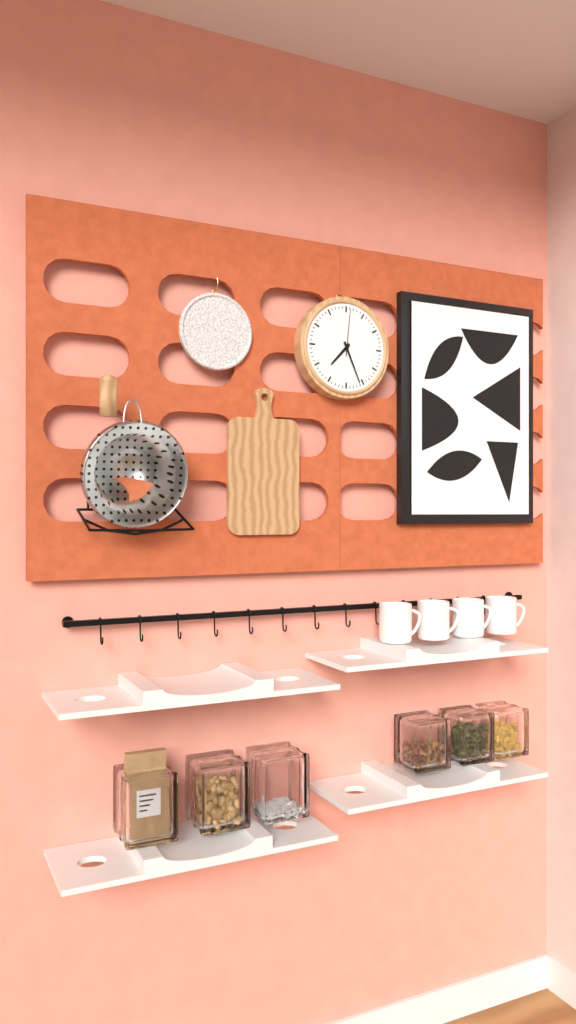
7:26
